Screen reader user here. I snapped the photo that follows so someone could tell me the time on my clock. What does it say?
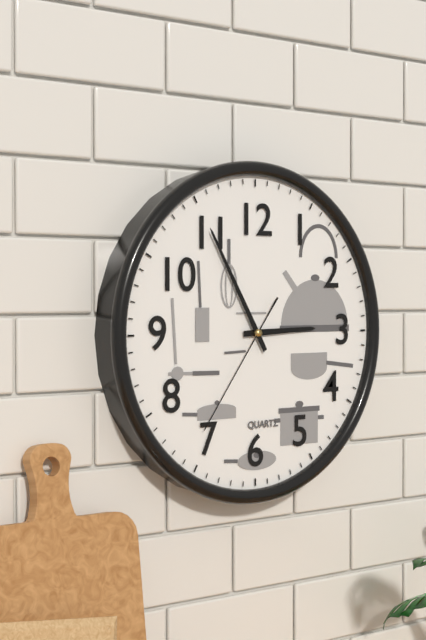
2:55:36
